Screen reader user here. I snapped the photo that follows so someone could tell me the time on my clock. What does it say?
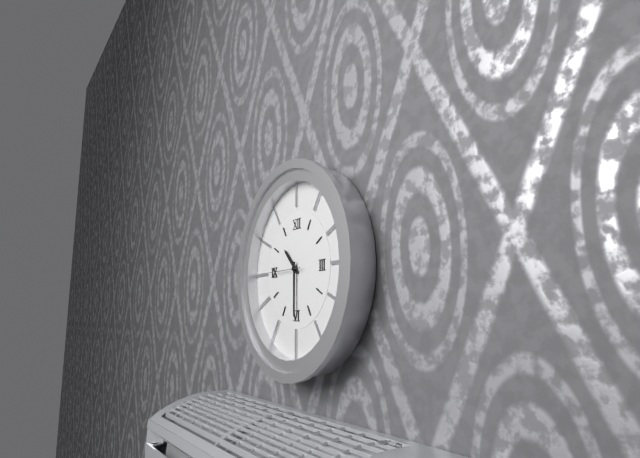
10:30
